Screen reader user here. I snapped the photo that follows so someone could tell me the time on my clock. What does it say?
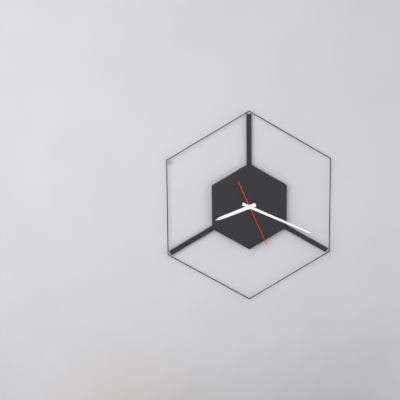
8:19:26
